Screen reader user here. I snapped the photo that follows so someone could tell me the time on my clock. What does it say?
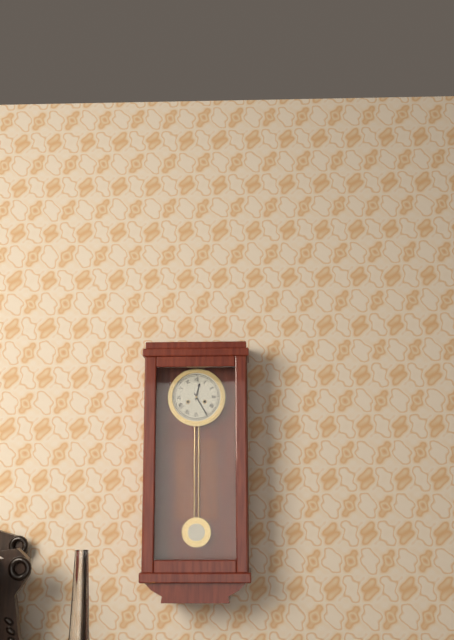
12:25
